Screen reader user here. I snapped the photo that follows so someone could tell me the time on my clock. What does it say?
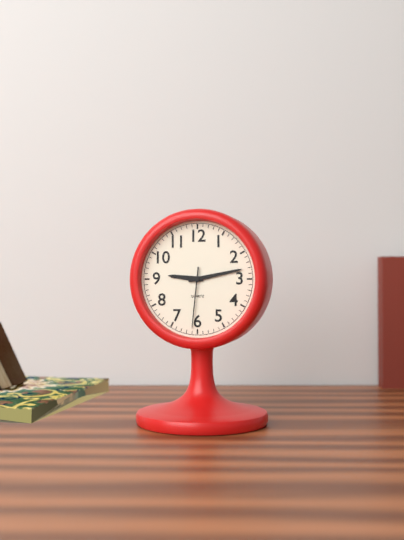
9:13:31
